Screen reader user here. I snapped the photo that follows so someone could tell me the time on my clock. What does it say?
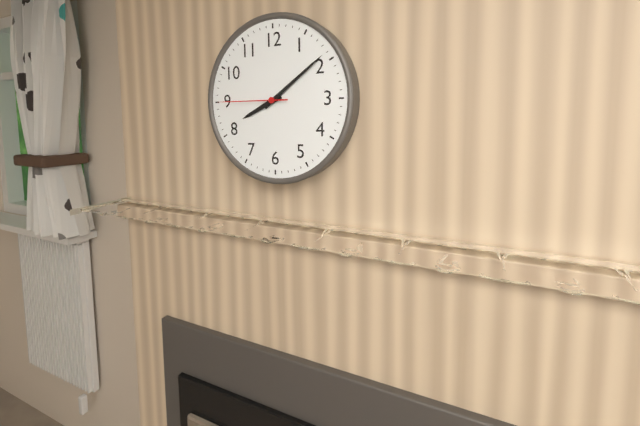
8:09:45
